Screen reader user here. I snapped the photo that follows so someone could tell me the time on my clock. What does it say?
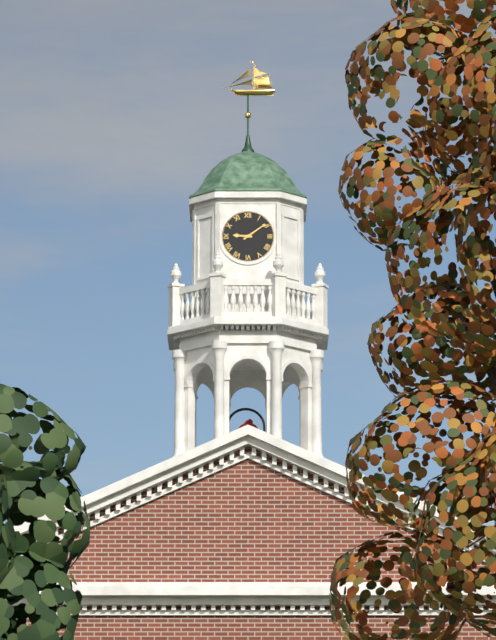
9:09
